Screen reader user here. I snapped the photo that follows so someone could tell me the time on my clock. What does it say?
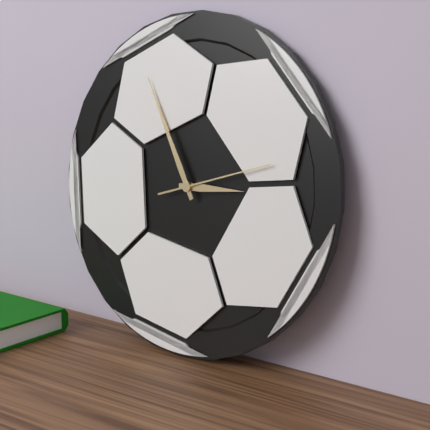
2:55:12
